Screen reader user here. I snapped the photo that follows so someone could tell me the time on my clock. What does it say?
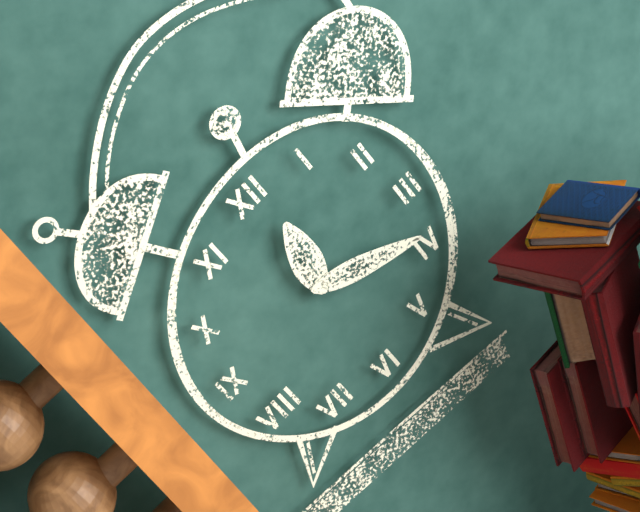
12:19
